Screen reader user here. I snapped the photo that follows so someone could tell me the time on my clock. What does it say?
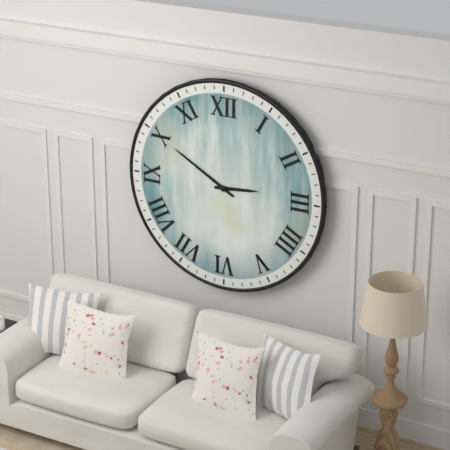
2:50
